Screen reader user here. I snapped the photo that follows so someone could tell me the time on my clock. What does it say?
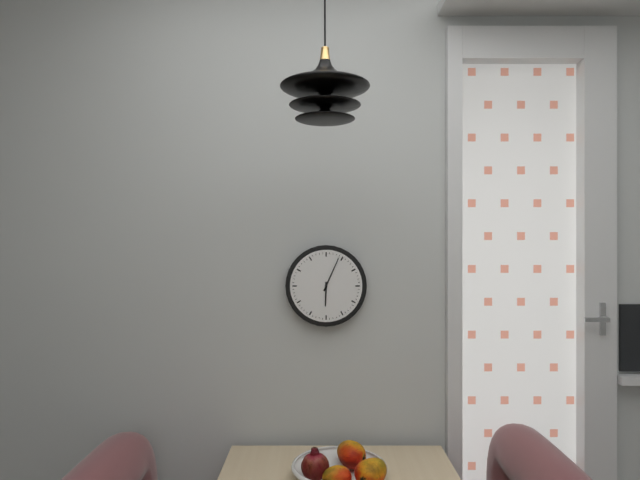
6:04
